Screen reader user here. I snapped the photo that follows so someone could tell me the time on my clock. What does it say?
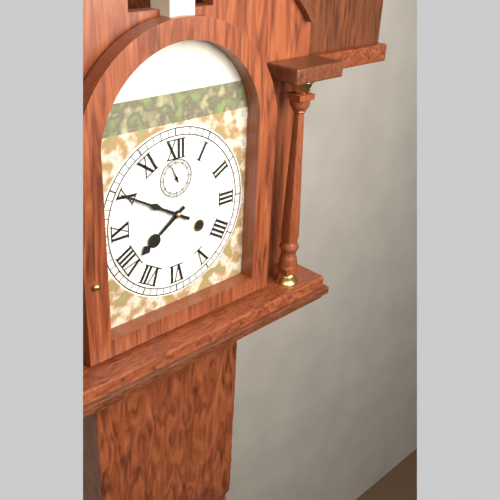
7:50
